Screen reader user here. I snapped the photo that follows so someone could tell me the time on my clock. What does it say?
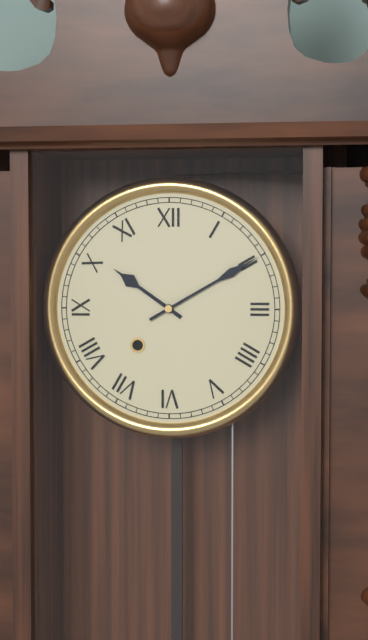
10:10
